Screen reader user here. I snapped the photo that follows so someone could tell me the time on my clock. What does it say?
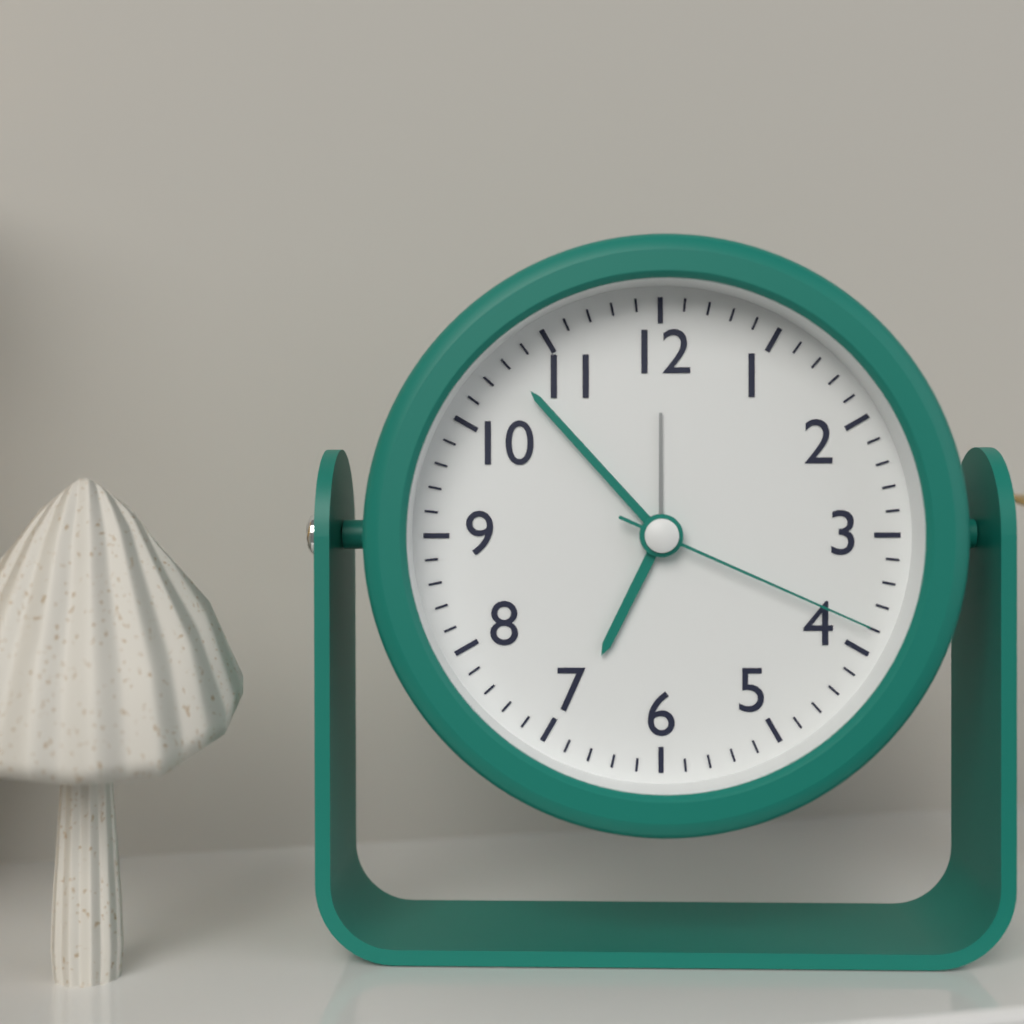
6:53:19
